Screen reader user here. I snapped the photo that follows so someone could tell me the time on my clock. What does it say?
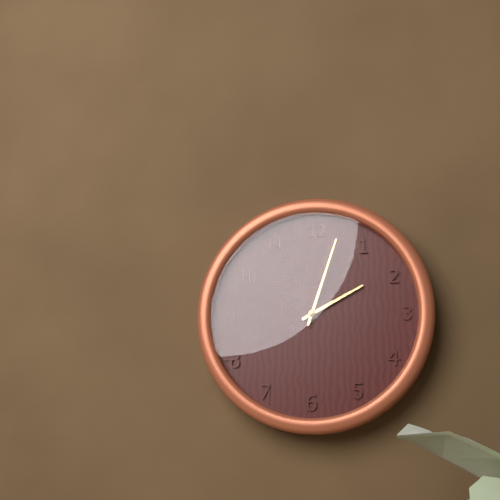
2:03
